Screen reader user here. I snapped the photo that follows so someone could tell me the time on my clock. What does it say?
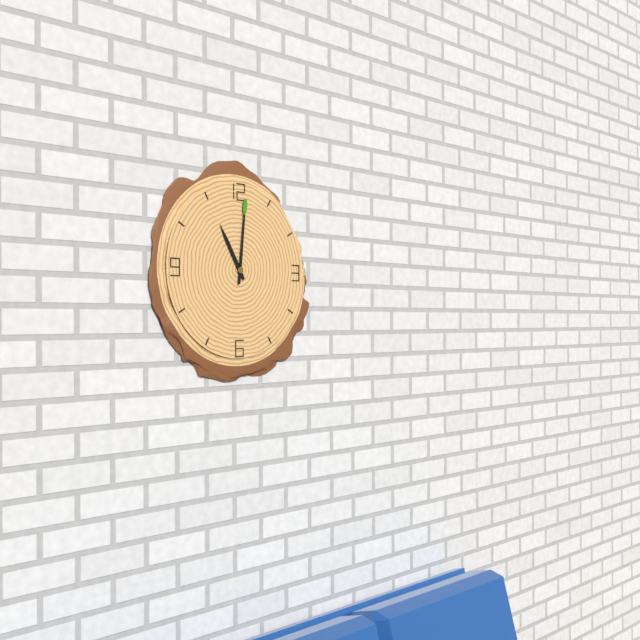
11:01
